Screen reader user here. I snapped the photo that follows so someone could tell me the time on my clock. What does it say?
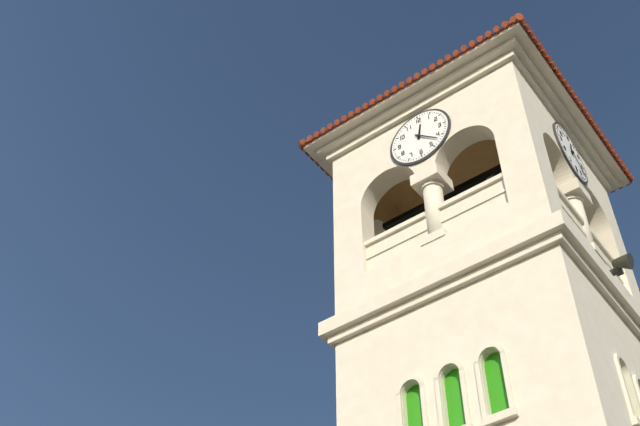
12:22
